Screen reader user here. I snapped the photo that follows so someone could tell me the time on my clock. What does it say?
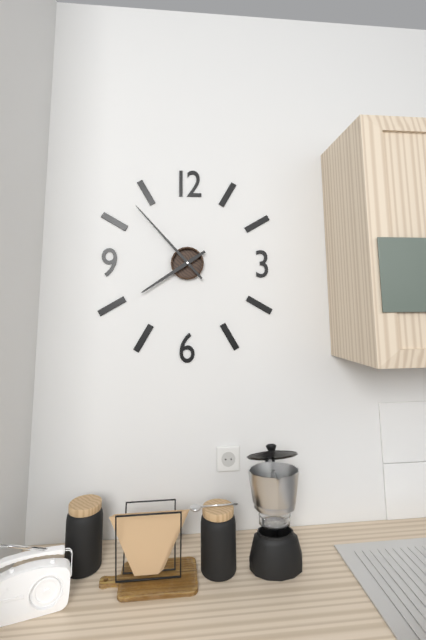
7:53
